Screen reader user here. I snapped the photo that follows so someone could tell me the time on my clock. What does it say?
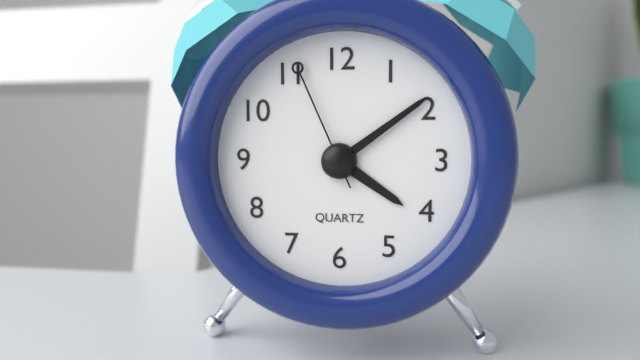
4:09:56
